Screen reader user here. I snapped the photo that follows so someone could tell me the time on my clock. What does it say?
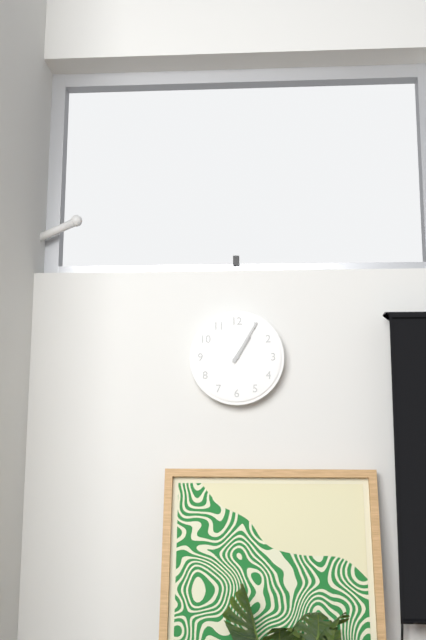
1:05
